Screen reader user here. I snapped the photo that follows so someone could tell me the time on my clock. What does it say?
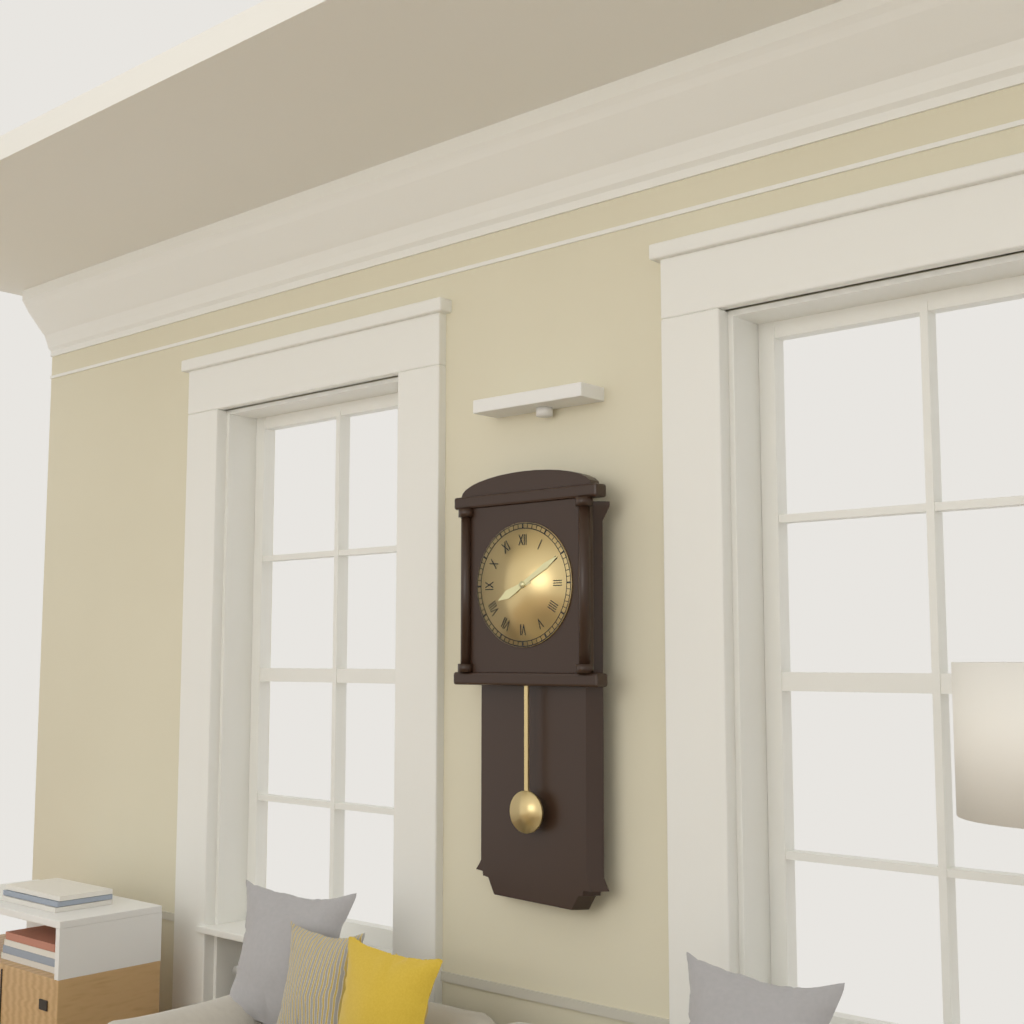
8:10
